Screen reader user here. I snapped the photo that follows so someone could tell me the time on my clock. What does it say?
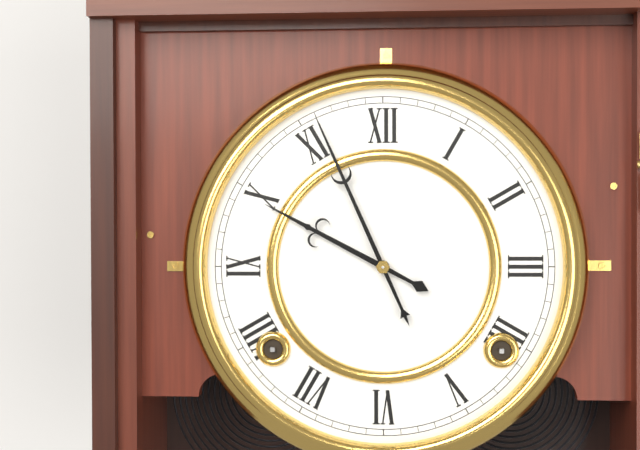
9:56
